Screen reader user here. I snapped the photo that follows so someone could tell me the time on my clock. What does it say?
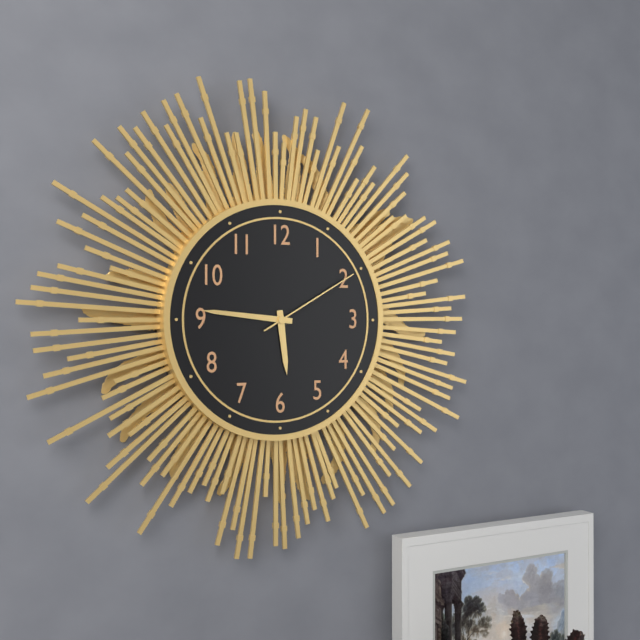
5:46:10
